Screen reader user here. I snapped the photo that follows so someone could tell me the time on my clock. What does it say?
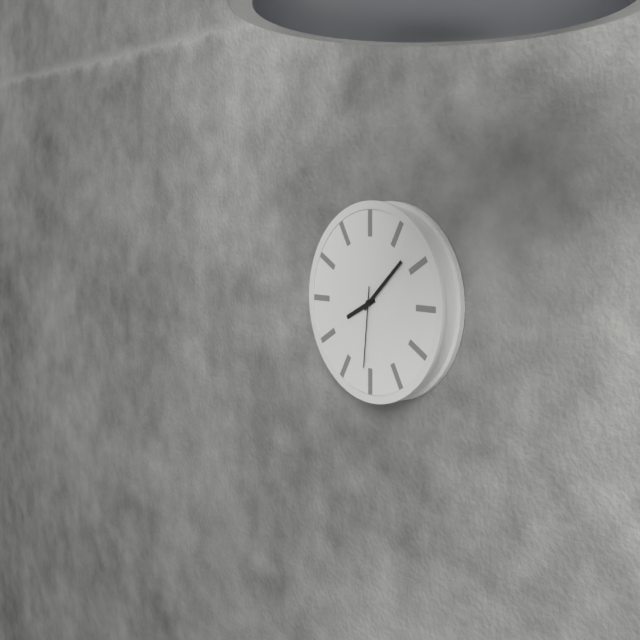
8:08:31
